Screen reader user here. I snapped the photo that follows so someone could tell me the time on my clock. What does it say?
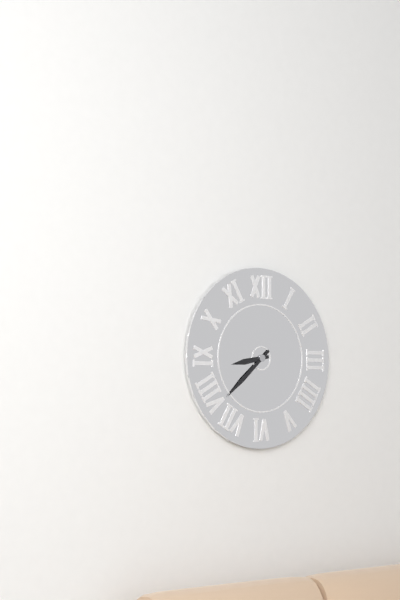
8:38
